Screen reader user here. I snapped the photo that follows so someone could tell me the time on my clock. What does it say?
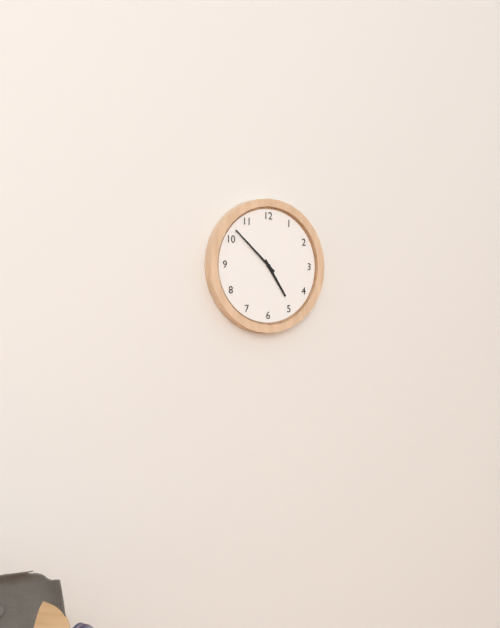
4:52
